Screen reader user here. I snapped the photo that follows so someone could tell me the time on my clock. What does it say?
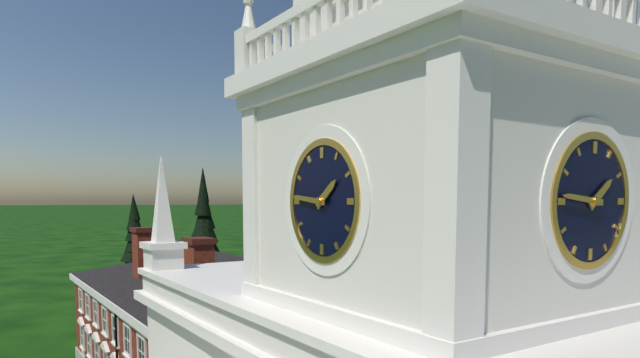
1:46
